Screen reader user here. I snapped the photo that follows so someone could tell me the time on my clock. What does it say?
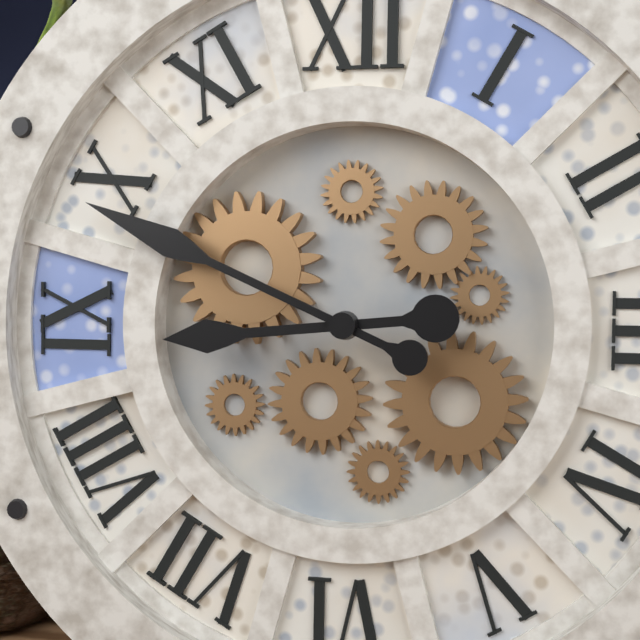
8:49
